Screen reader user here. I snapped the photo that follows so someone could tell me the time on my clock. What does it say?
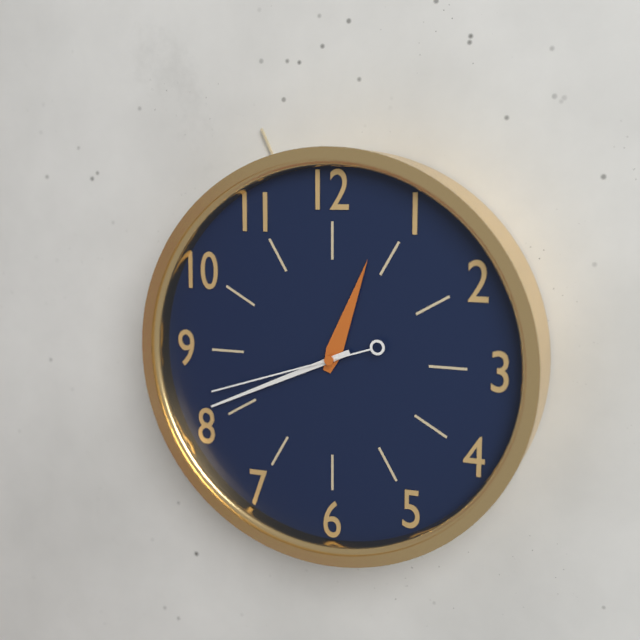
12:41:42
